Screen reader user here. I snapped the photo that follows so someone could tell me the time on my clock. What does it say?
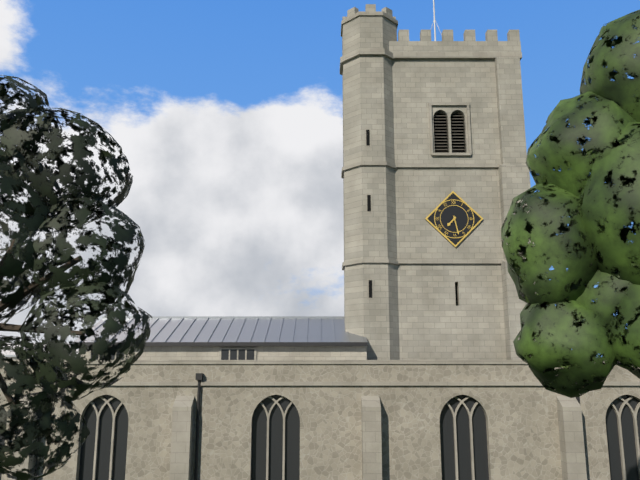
7:28
